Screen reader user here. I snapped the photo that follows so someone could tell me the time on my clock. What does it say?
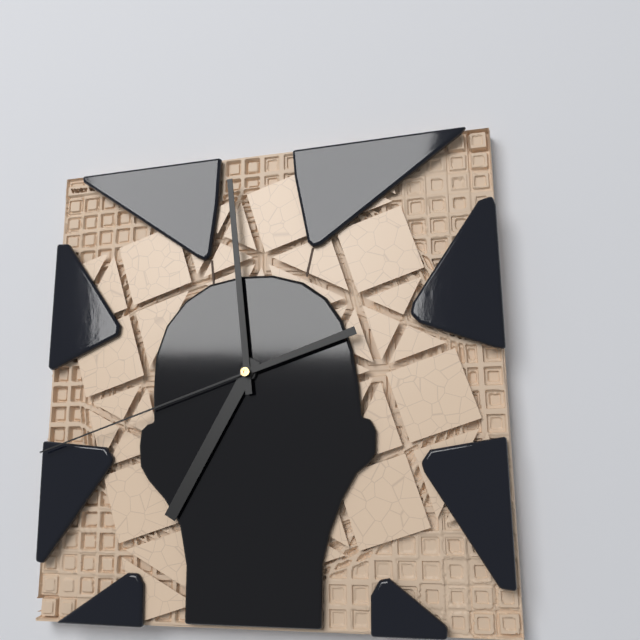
6:59:42
